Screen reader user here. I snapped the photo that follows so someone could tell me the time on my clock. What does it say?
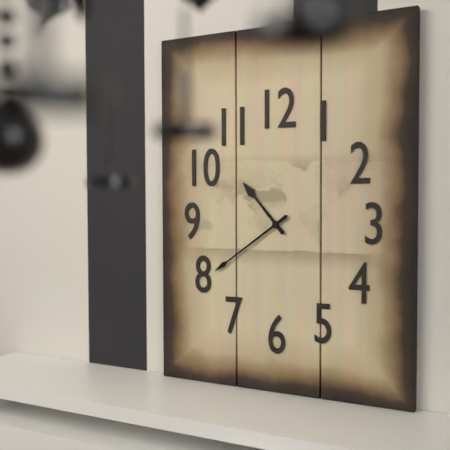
10:39
